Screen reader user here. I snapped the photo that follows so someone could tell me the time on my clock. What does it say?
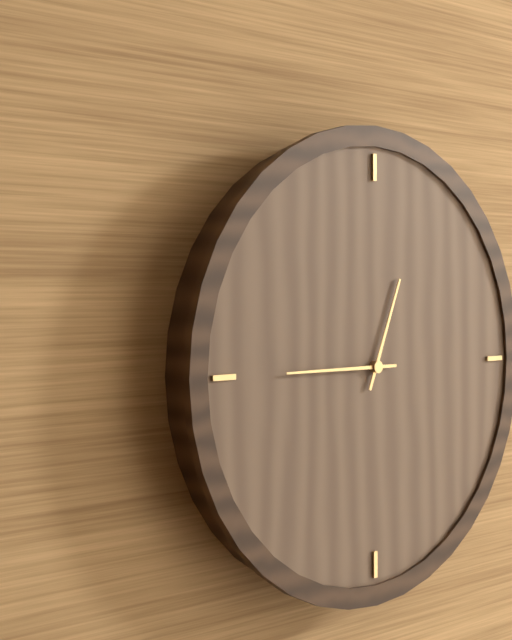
12:45
